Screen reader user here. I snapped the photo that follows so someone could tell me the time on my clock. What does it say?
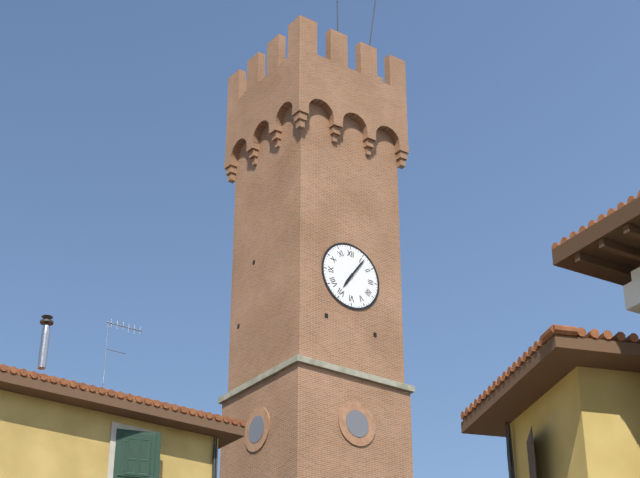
7:06
